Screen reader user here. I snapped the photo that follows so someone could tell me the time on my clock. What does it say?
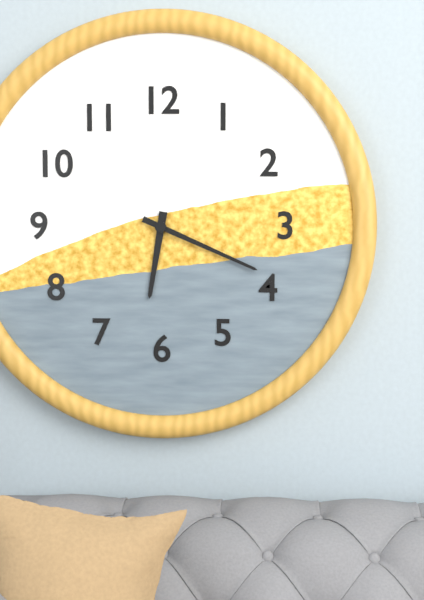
6:19
